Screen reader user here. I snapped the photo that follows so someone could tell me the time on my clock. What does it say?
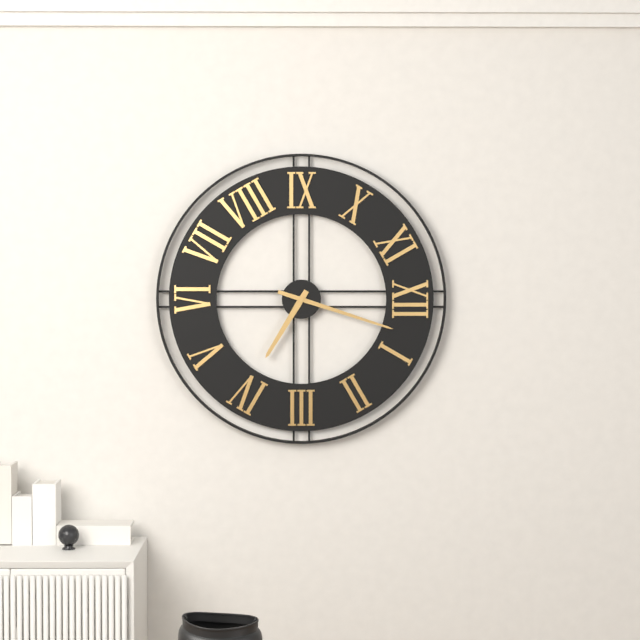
4:03
